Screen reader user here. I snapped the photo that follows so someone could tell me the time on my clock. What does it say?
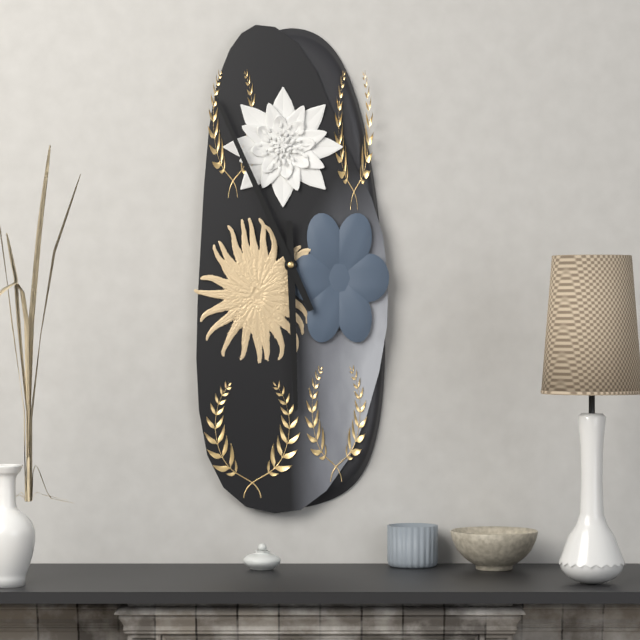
5:56
